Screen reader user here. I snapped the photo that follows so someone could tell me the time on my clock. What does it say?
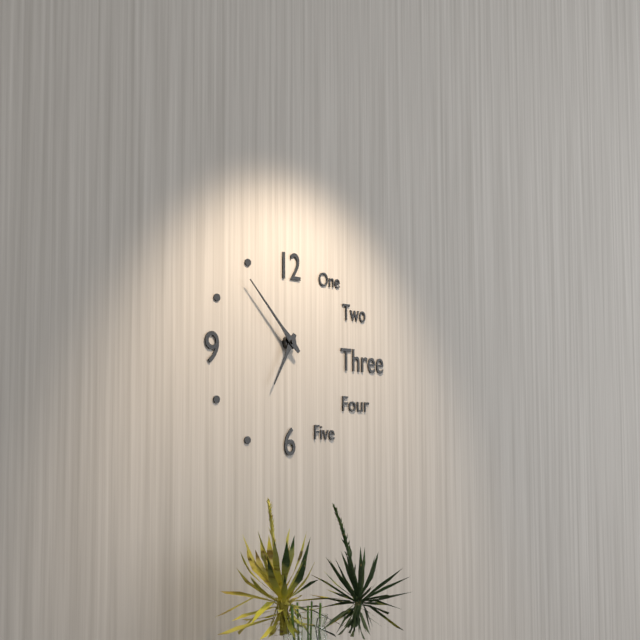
6:53
